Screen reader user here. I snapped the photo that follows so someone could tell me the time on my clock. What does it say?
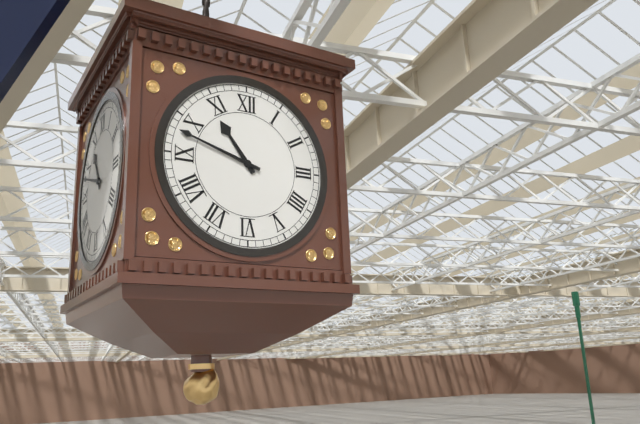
10:48
